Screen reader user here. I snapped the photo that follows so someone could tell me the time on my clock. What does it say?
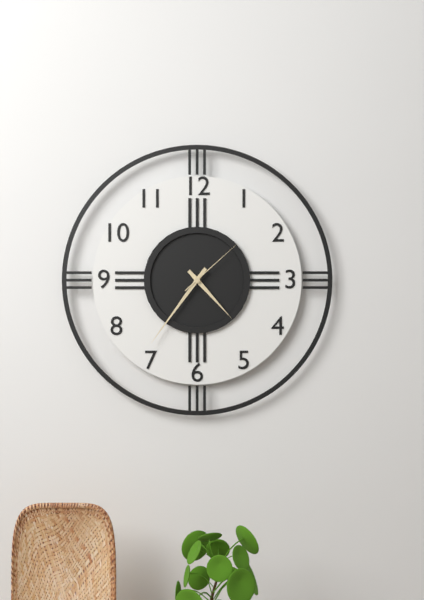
4:36:08
